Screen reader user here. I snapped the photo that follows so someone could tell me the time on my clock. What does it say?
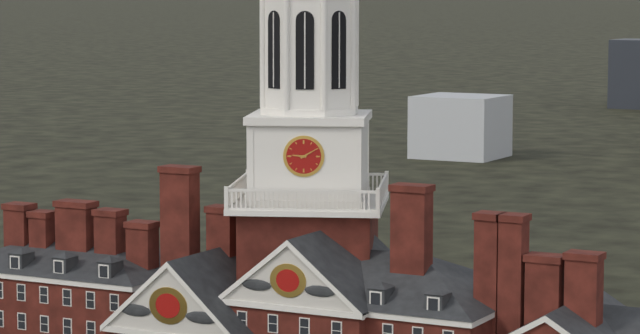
9:10
